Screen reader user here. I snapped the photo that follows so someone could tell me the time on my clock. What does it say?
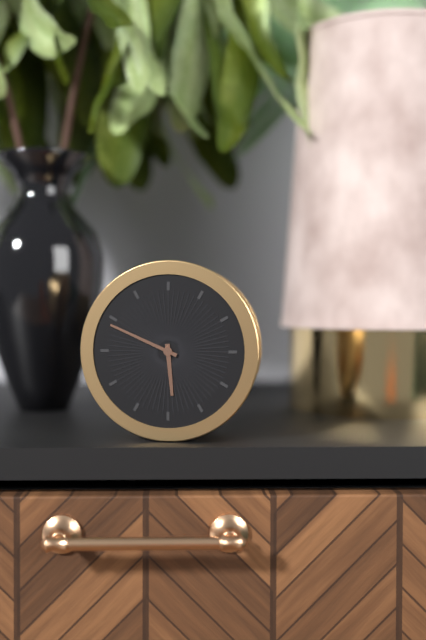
5:49
